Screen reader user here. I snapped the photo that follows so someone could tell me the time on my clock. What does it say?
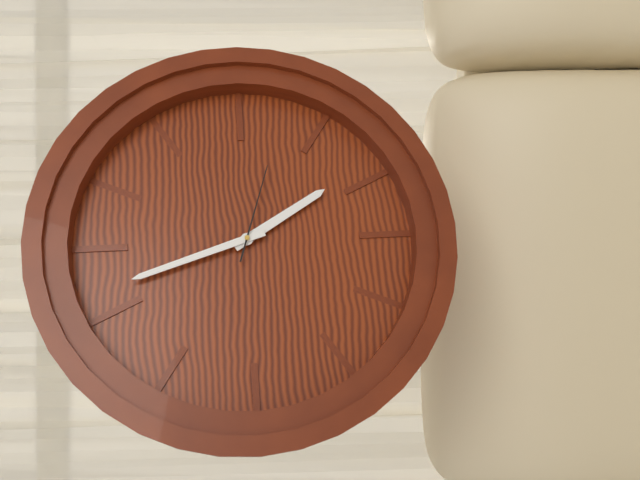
4:57:18
